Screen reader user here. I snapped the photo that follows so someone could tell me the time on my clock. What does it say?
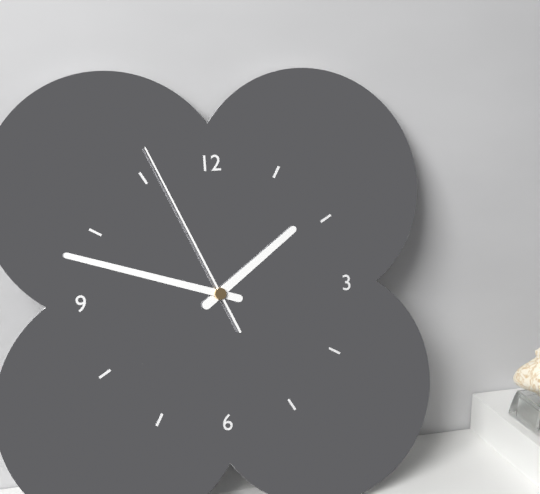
1:48:56
